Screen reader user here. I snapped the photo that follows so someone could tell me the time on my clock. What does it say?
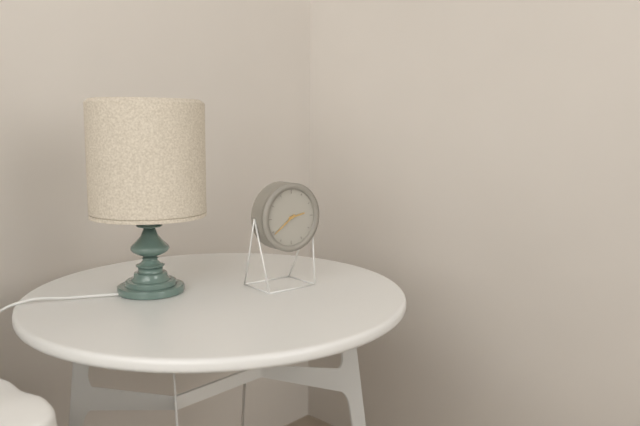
2:39
